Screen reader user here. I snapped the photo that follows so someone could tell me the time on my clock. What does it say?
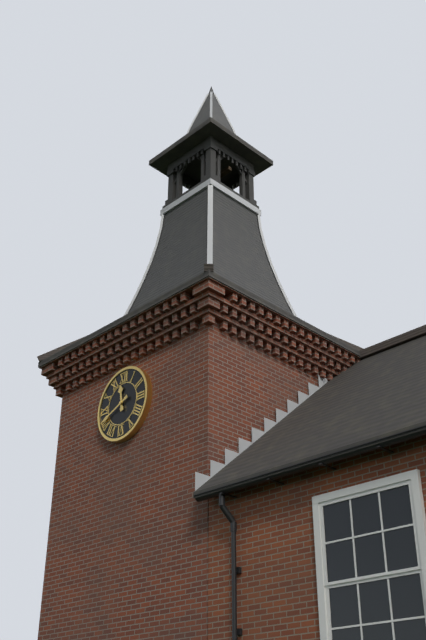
11:41
